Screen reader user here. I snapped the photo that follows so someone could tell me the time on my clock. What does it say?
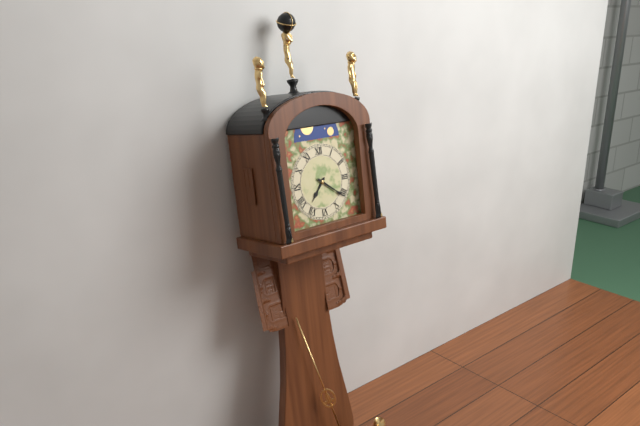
7:21
